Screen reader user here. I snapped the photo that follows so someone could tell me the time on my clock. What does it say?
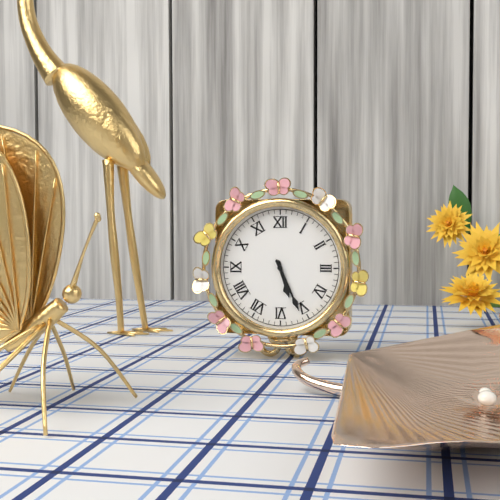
5:26
